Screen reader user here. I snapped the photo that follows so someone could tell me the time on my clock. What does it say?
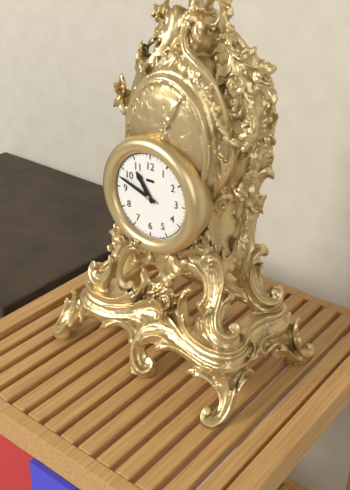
10:48
